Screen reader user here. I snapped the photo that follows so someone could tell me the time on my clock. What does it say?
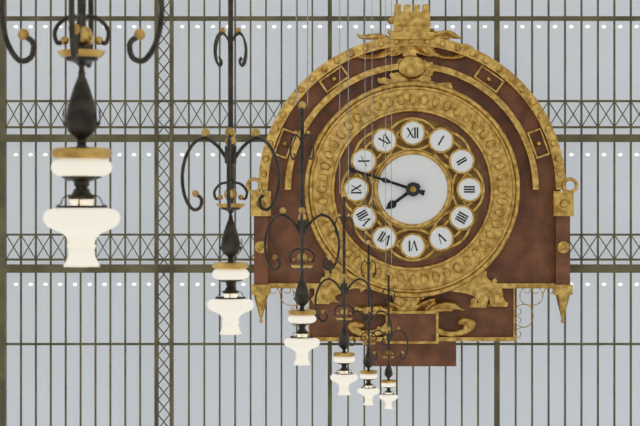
7:48
